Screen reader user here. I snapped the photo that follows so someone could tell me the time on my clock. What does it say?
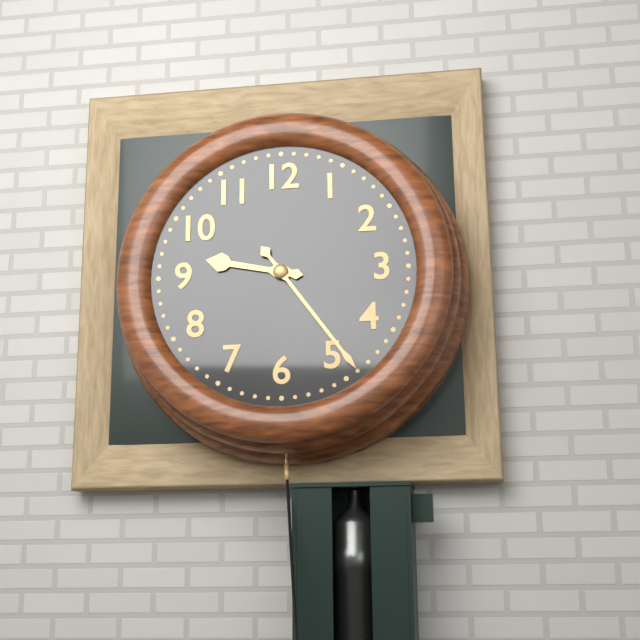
9:24
